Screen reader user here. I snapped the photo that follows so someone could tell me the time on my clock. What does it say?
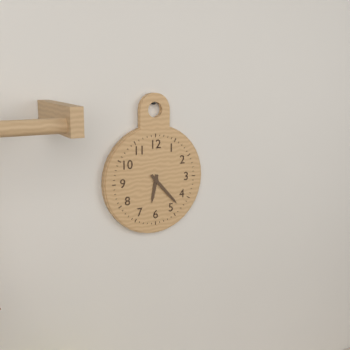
6:23
